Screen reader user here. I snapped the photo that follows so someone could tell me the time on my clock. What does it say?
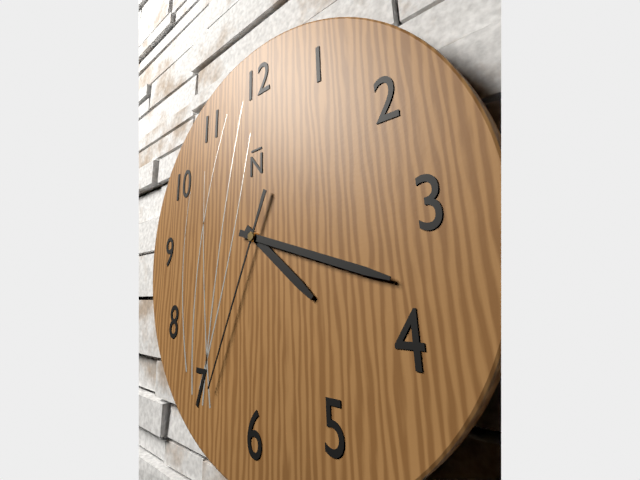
4:18:34
